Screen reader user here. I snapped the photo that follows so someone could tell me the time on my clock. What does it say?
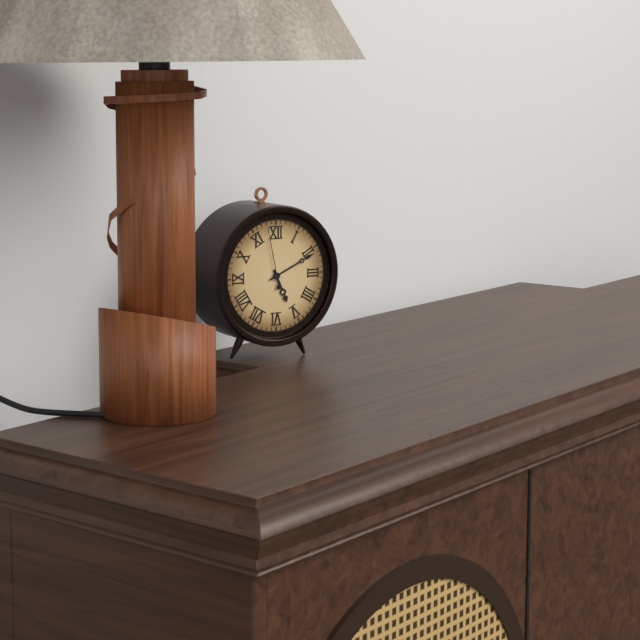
5:11:58
